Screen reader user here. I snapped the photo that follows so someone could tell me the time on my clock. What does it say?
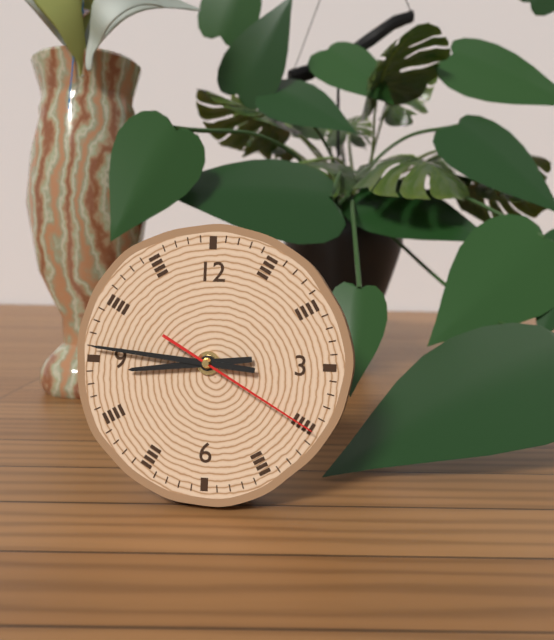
8:46:20
